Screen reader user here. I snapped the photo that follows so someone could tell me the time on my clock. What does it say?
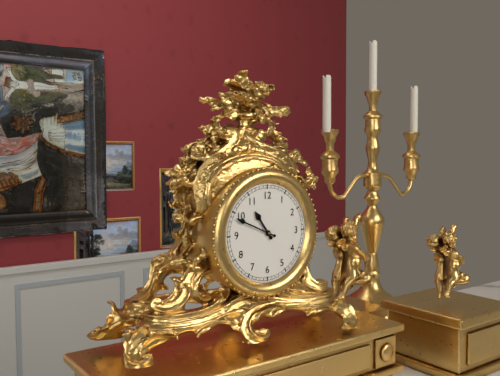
10:49
